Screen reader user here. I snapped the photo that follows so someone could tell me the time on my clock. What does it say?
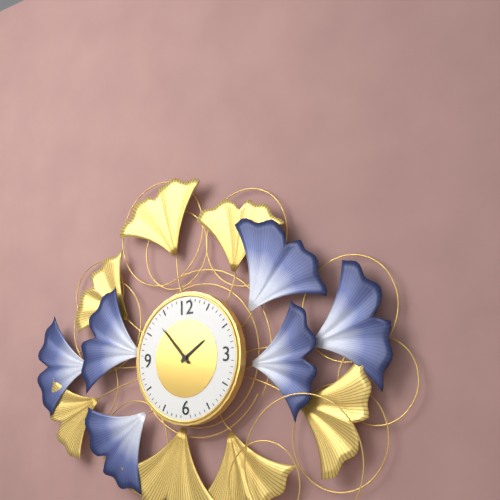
1:53
